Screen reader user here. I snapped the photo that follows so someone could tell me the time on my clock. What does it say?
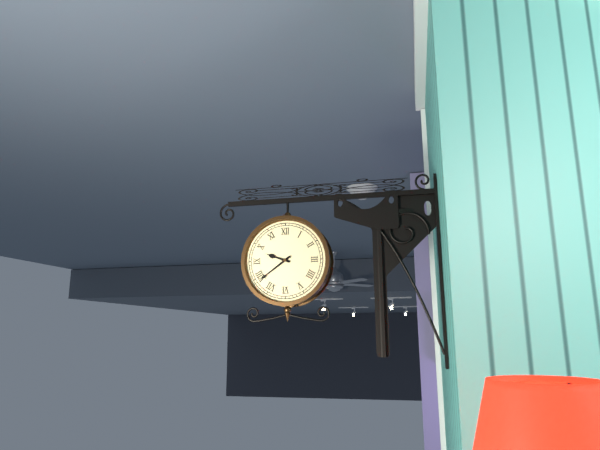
9:39
